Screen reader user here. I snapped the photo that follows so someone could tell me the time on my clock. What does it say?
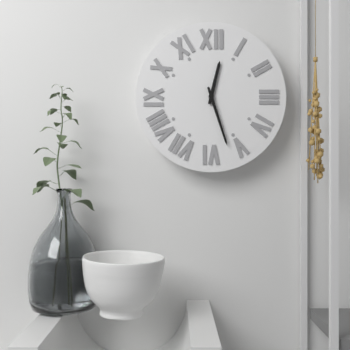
12:27
